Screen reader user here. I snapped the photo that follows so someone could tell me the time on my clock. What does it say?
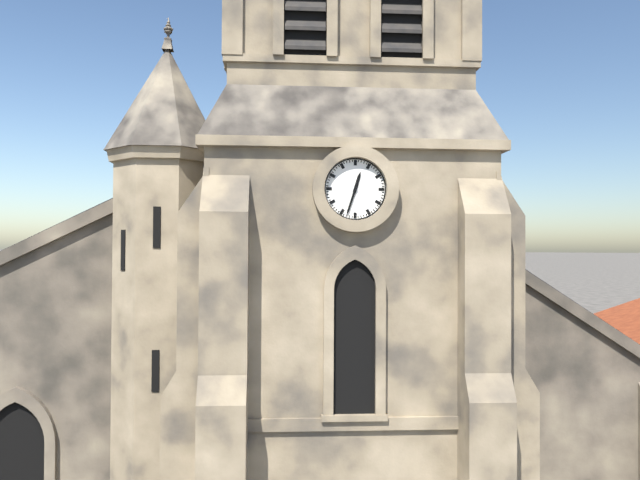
12:33
